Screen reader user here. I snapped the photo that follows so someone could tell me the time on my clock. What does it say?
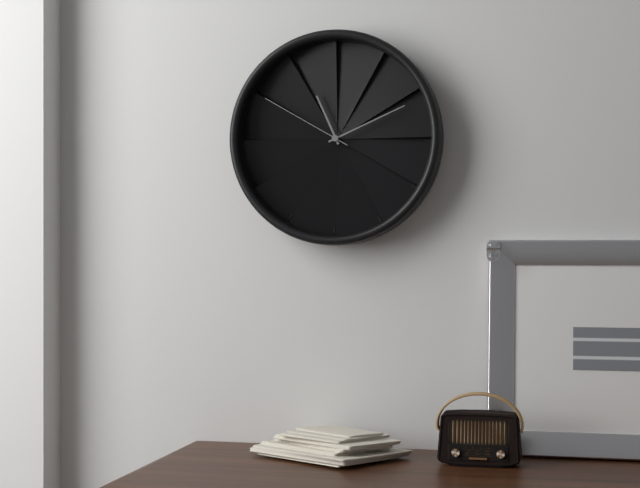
11:11:50
